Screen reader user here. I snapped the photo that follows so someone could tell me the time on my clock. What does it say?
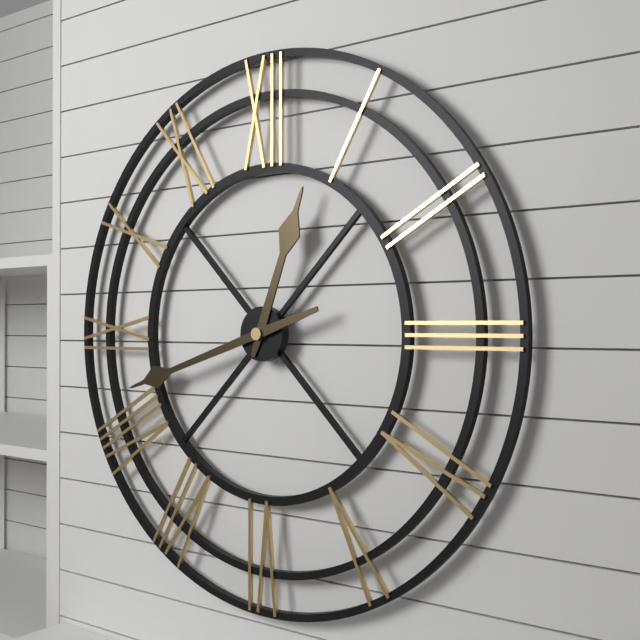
12:42
